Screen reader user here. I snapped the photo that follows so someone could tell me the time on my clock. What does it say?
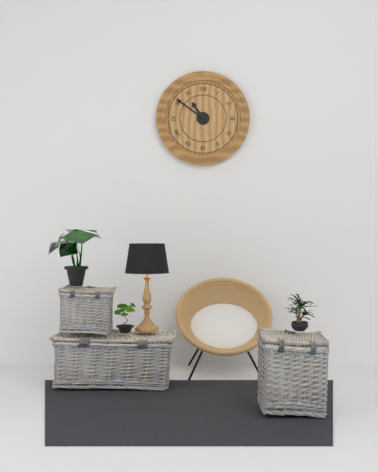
10:51
